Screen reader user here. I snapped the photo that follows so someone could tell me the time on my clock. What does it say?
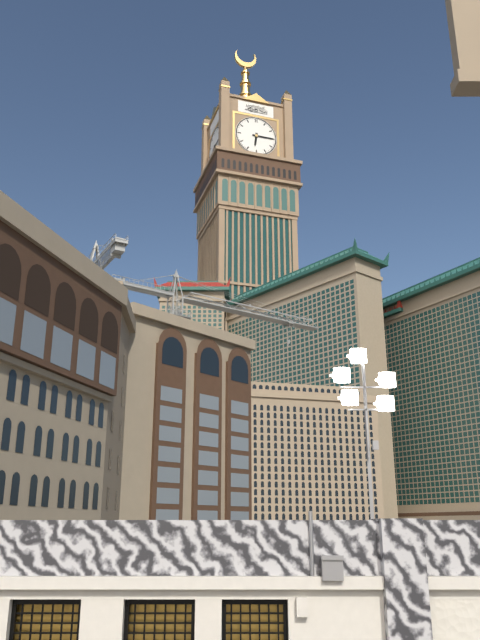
6:15
